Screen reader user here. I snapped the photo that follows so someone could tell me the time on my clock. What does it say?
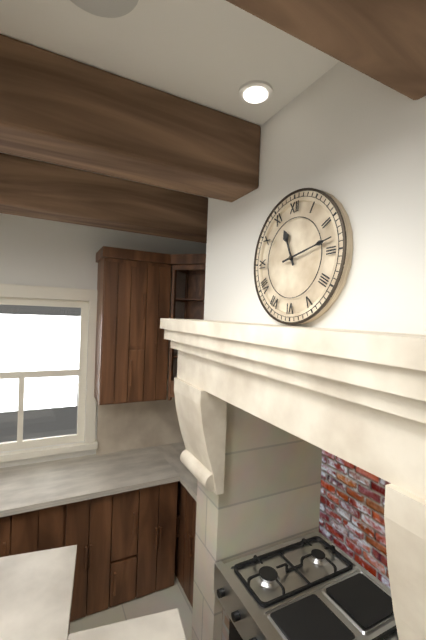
11:13
